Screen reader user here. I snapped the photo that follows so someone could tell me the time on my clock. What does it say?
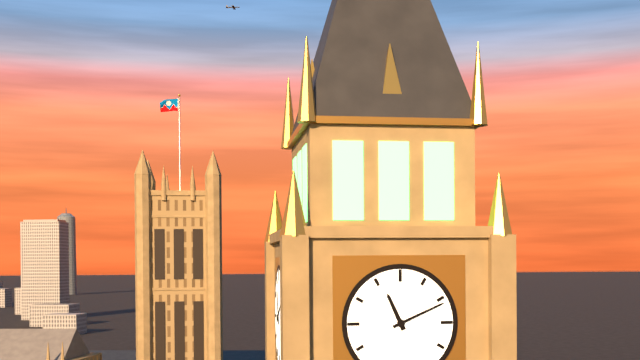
11:11
